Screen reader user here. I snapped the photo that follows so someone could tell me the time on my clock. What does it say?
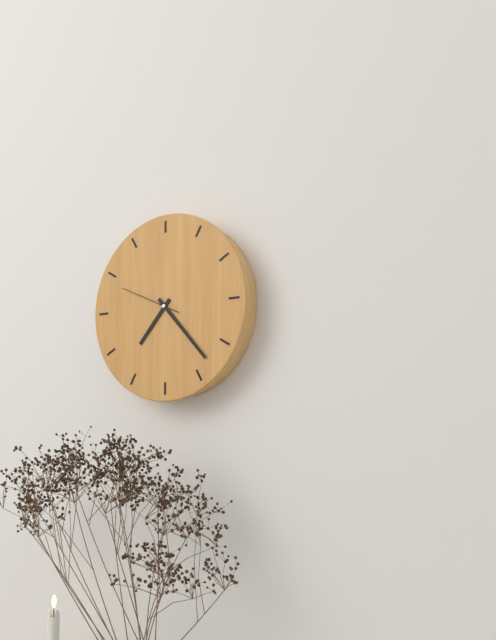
7:23:49
